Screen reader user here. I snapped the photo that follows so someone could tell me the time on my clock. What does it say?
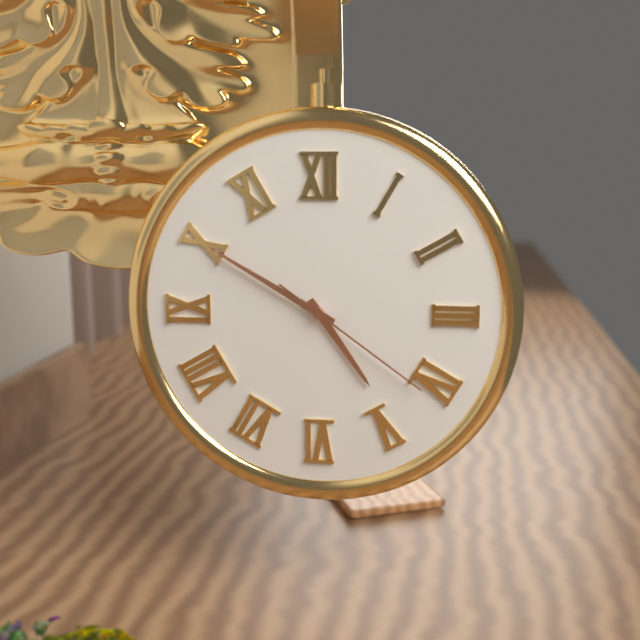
4:50:21
